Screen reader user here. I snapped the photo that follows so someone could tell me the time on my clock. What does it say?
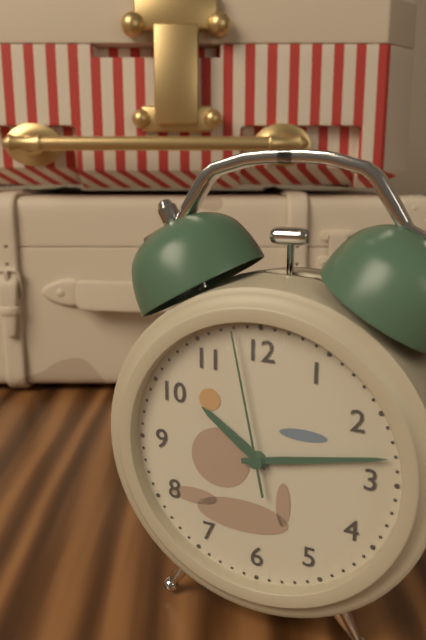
10:13:58
